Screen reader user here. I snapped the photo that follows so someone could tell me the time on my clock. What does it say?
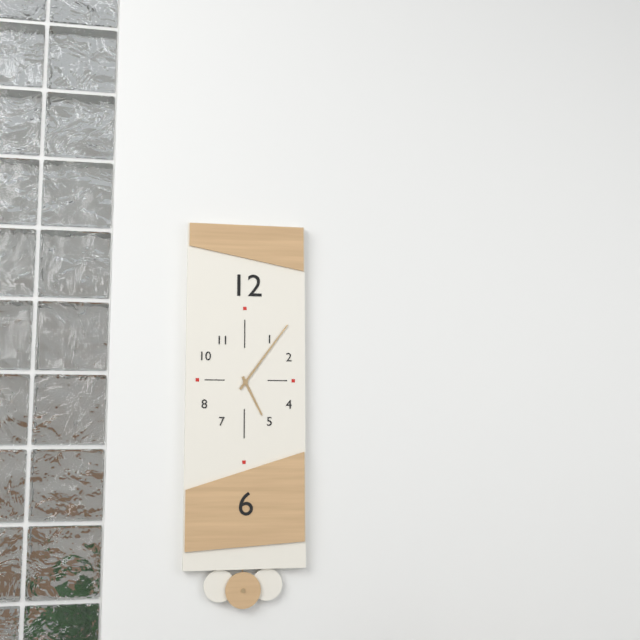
5:06
